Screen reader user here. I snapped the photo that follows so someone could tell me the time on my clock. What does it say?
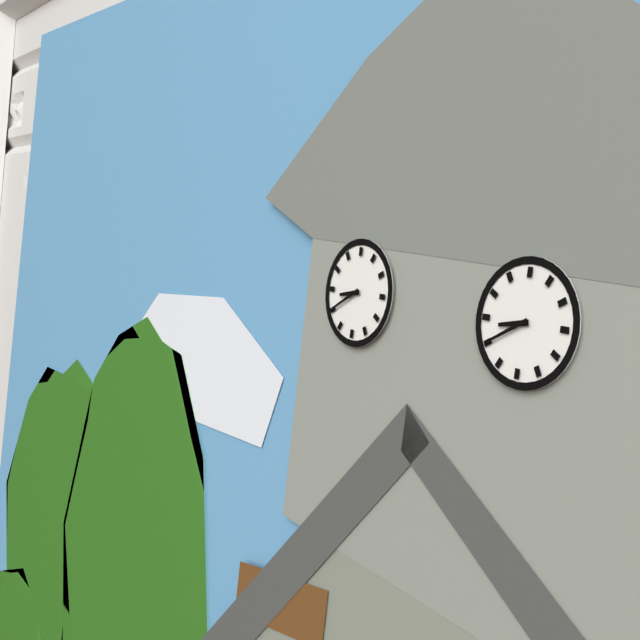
8:40
